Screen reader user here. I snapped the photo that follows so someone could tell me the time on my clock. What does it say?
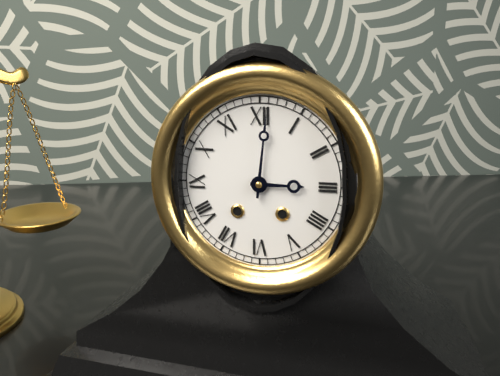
3:01
